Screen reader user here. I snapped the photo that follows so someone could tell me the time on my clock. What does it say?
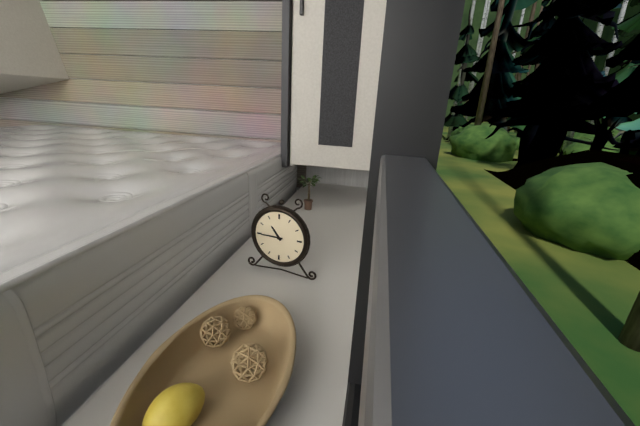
10:45
